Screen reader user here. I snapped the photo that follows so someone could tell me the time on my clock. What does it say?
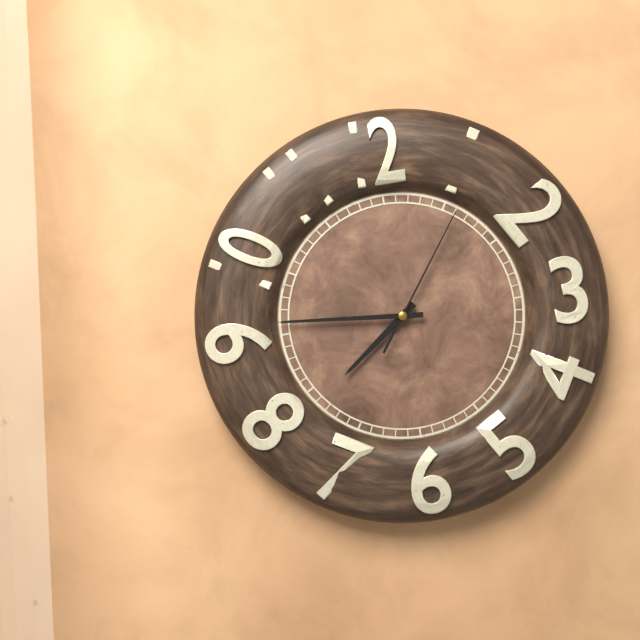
7:46:06
